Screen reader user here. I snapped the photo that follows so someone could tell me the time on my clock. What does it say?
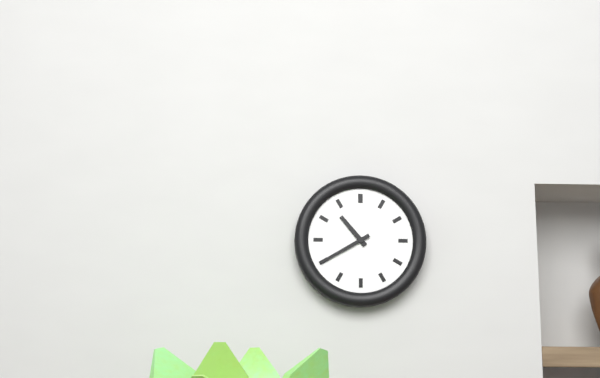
10:40
